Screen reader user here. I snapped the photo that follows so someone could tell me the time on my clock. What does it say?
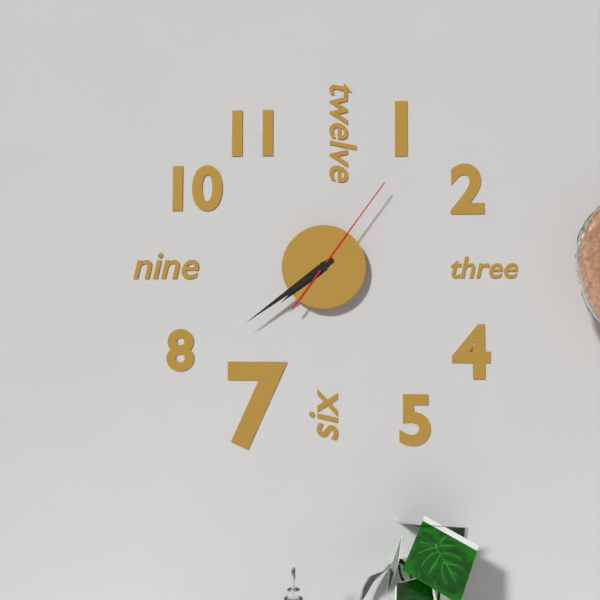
7:39:06
